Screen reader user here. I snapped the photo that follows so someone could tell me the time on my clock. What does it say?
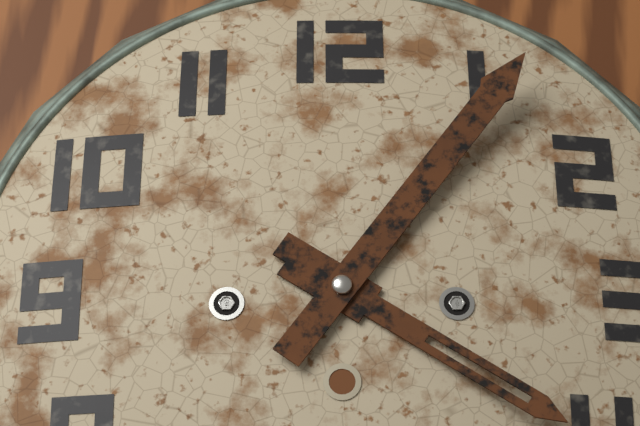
4:06
